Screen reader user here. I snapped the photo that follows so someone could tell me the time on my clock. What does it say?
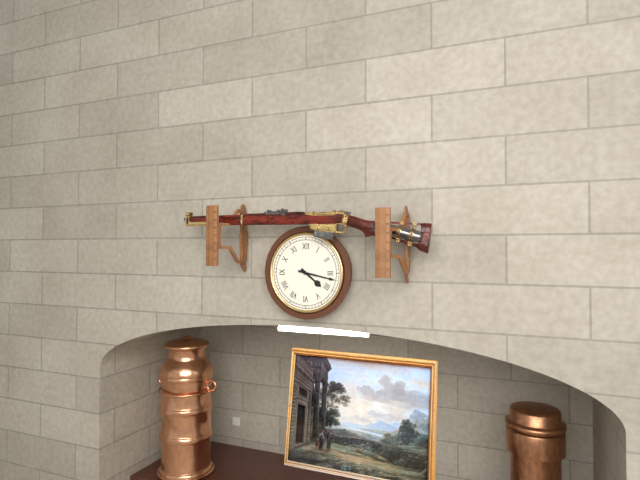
4:17
